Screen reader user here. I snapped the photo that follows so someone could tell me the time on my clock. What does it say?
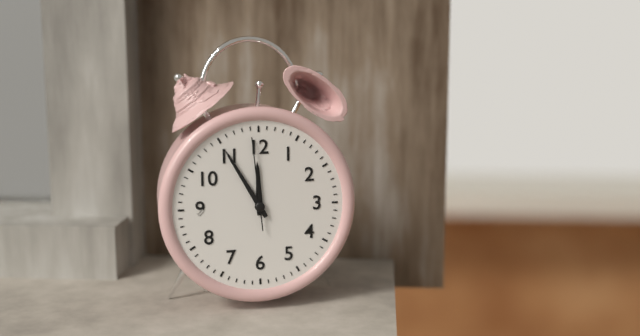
11:55:59
